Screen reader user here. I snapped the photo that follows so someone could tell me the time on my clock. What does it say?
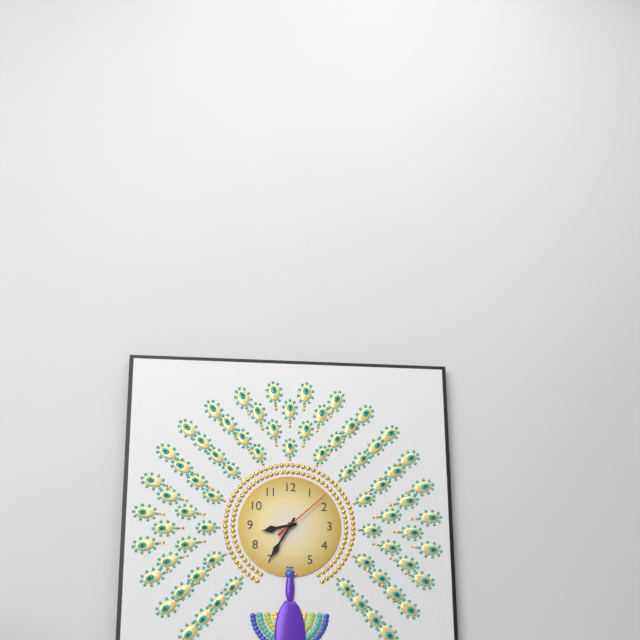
8:35:08
